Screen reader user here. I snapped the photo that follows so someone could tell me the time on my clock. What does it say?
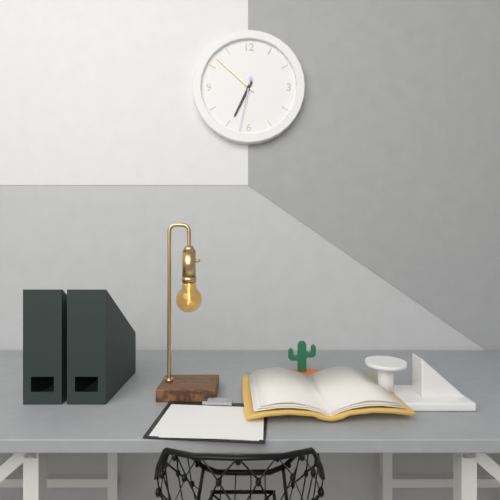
6:52:32
